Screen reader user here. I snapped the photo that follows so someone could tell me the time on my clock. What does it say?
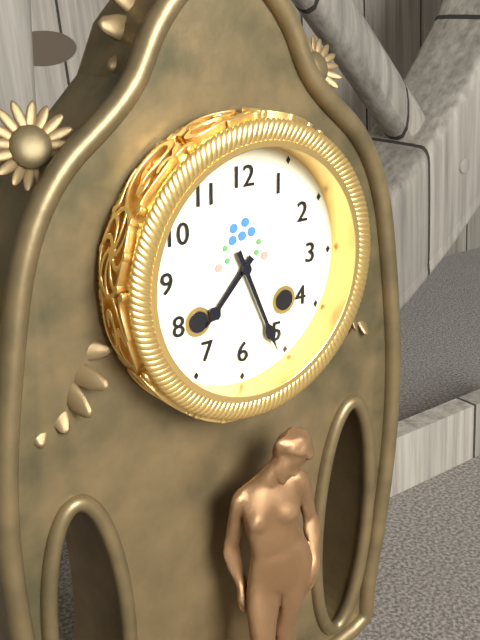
7:26
